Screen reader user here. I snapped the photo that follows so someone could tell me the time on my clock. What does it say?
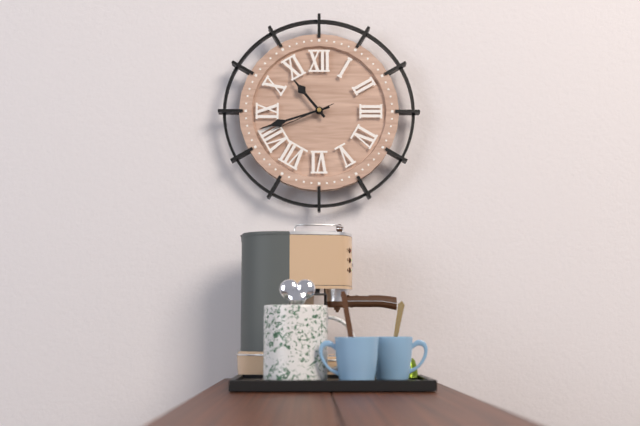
10:42:41
